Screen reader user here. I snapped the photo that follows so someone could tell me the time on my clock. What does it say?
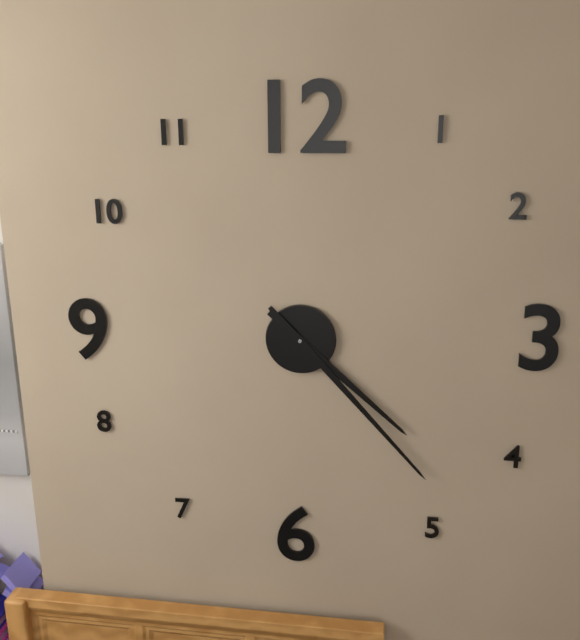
4:23
